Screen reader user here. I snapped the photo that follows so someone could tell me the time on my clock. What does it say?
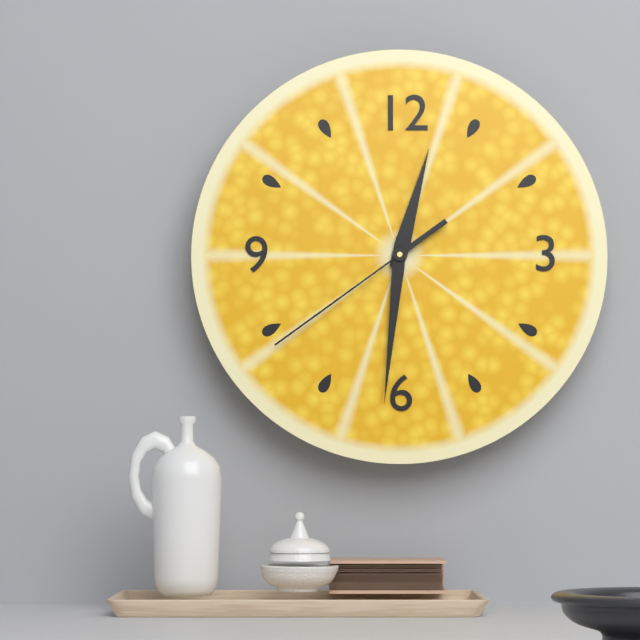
12:31:39
